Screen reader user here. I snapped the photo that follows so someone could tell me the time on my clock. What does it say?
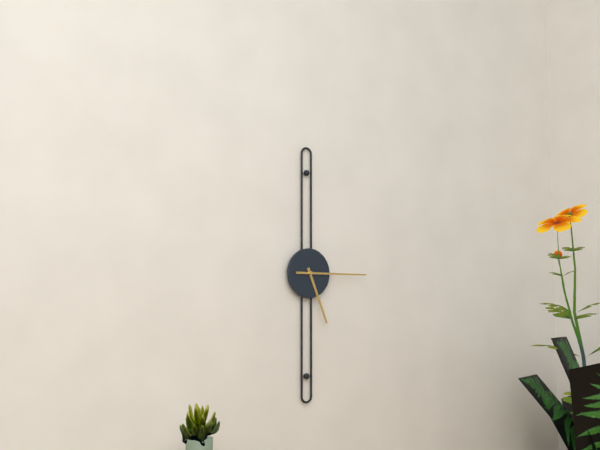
5:15
